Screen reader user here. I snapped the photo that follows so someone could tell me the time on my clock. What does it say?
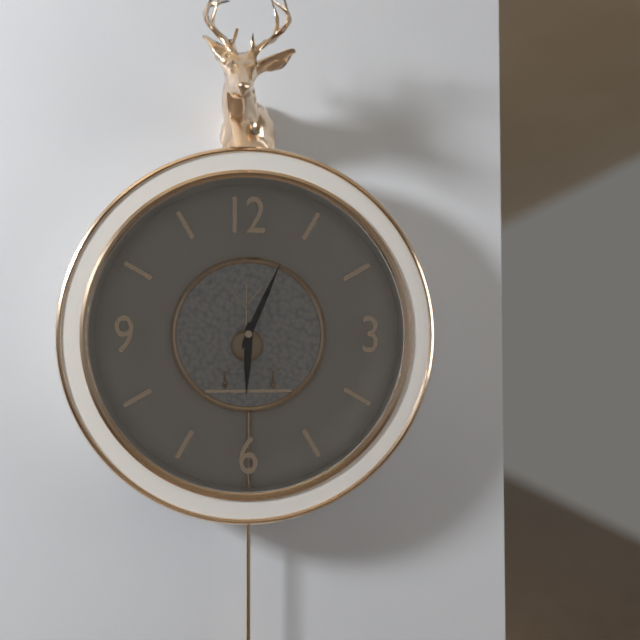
6:04
